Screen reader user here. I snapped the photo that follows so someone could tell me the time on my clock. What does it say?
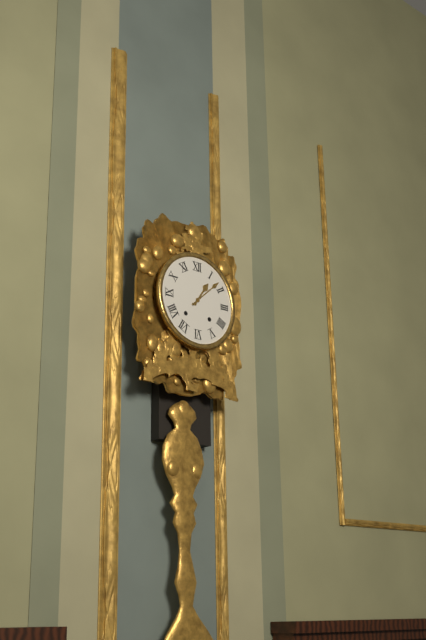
1:08
